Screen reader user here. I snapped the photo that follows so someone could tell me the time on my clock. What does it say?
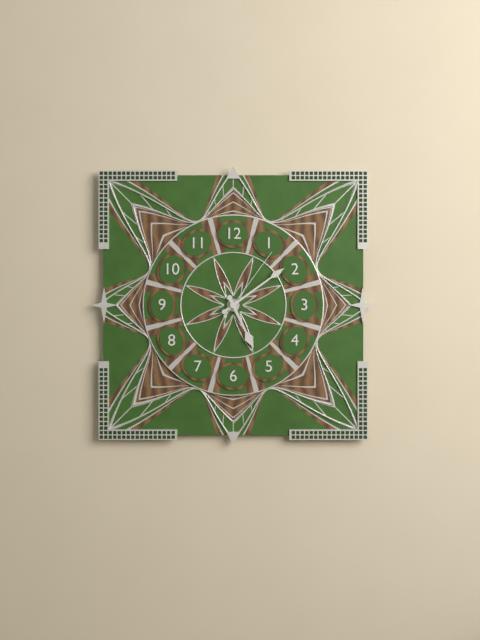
5:09:06
